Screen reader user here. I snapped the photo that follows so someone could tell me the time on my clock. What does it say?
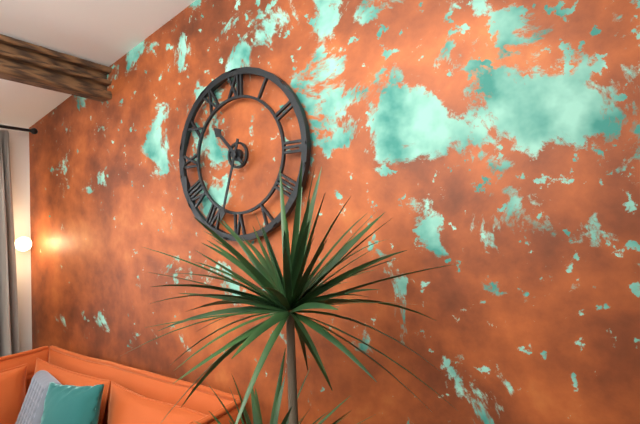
10:33
